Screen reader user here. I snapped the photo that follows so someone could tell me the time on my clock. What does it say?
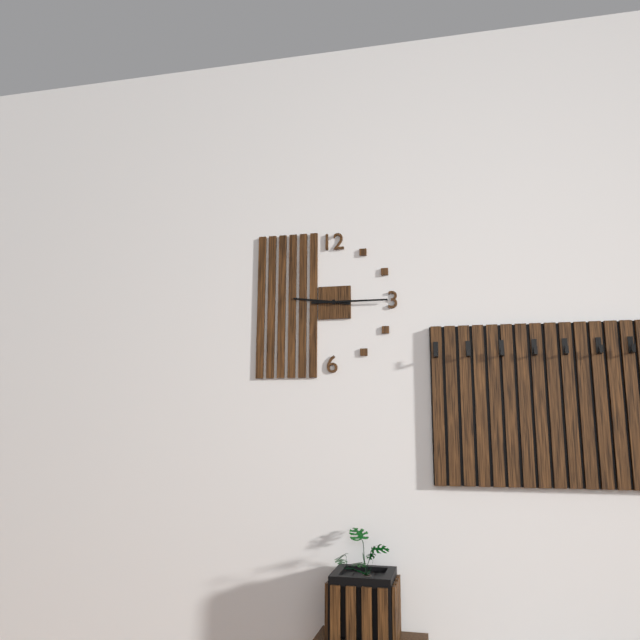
9:15
